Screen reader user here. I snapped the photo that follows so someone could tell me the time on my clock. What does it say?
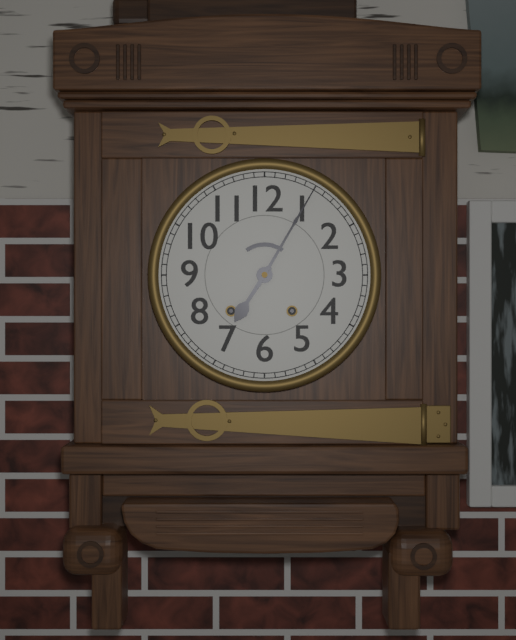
7:05
